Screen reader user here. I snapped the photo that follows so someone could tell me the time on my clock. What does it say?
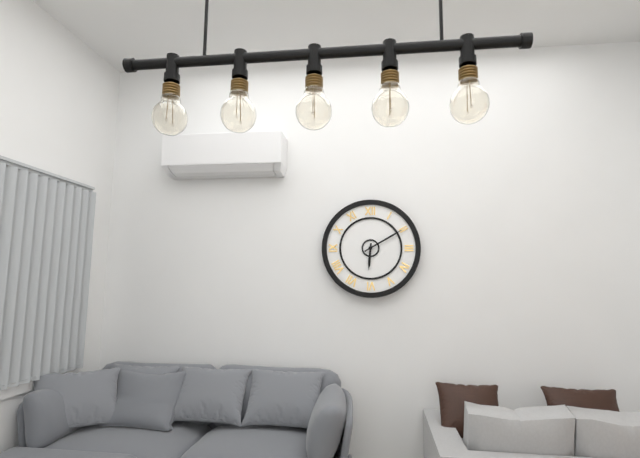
6:10
